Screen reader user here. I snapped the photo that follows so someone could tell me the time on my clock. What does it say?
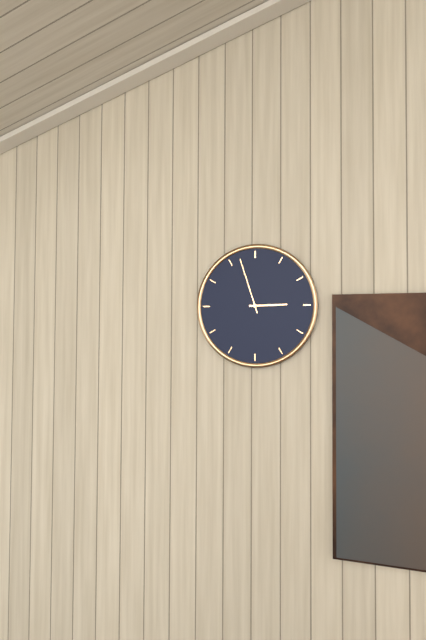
2:57
